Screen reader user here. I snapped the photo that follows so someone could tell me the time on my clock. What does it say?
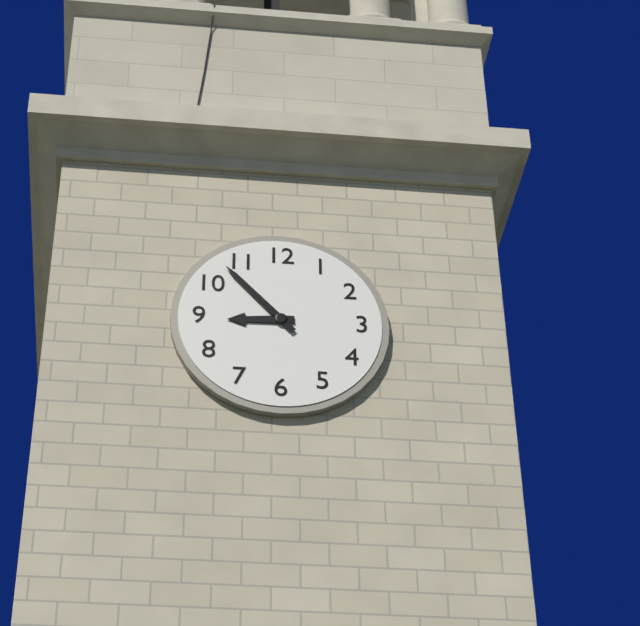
8:53
